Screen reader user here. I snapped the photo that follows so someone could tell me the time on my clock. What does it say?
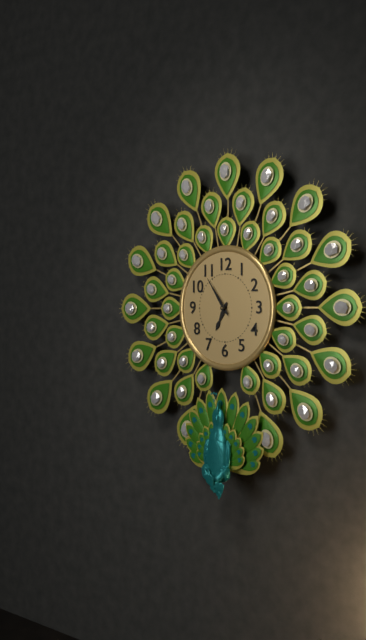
6:54
